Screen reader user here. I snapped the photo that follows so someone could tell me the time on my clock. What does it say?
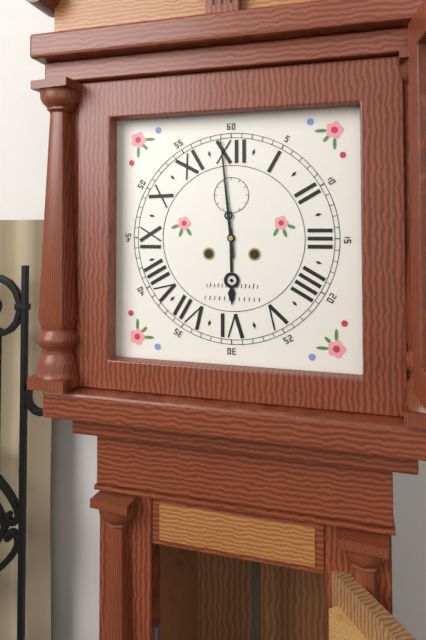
5:59
